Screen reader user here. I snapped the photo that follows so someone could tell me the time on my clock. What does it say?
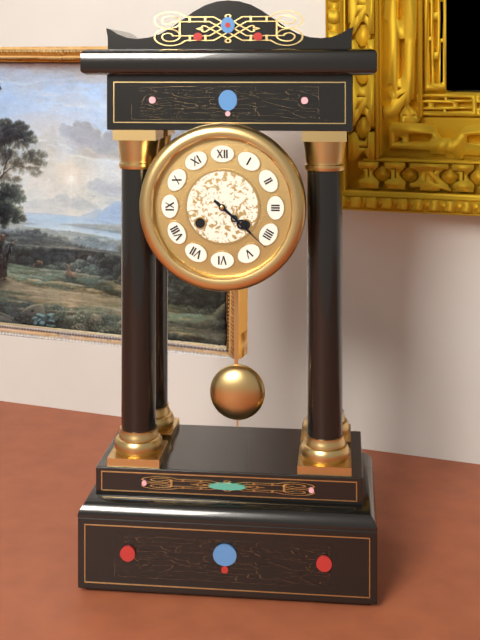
4:22
